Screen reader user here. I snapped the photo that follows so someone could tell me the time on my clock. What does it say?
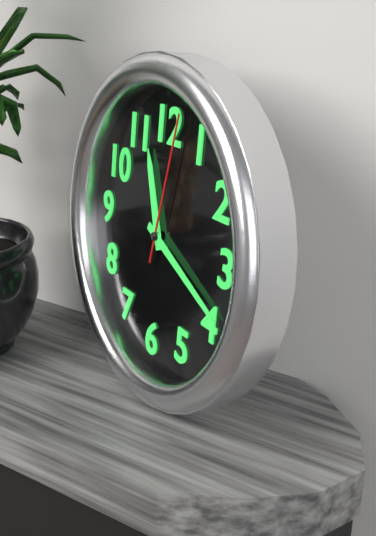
11:19:02
